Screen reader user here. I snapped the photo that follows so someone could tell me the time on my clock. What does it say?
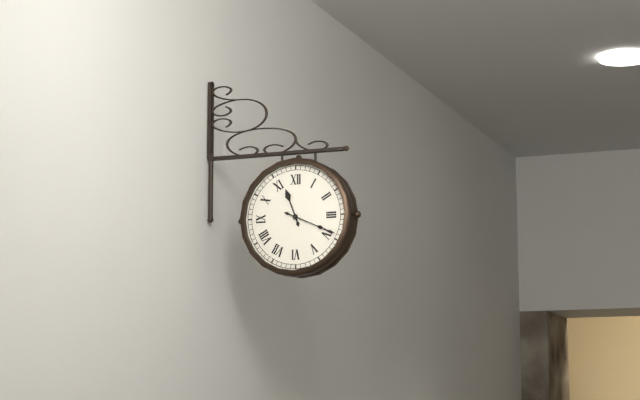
11:19
